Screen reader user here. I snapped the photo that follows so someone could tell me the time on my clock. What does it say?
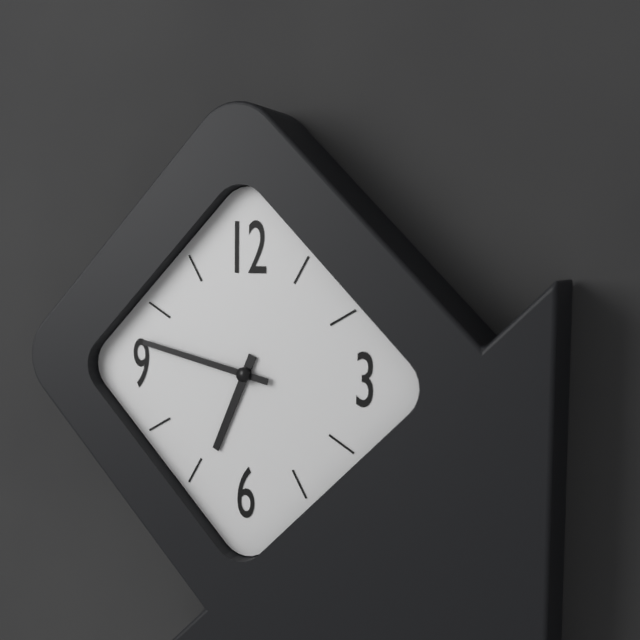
6:47
